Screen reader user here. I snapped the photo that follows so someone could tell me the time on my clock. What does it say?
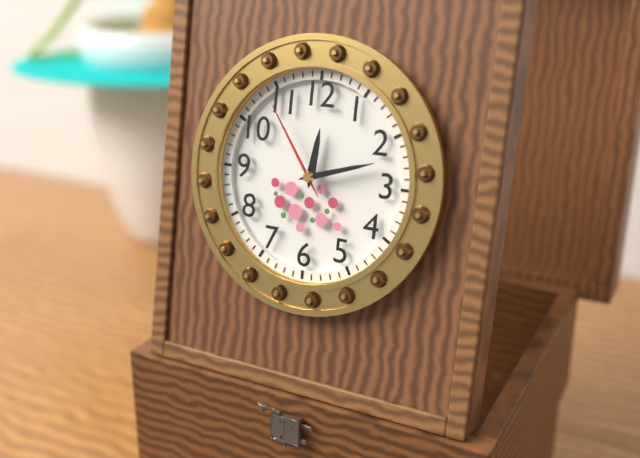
12:12:54
